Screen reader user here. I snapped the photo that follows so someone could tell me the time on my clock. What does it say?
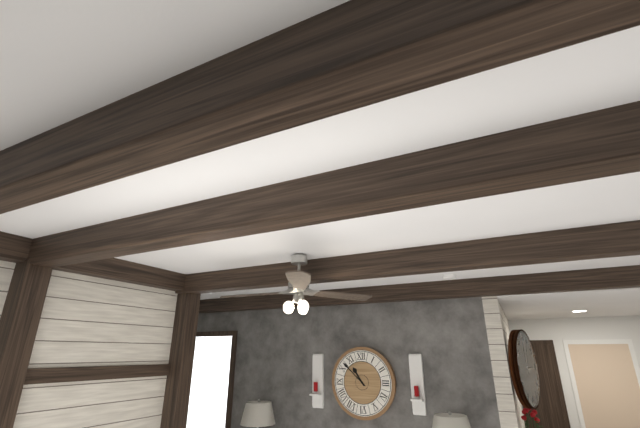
10:52
